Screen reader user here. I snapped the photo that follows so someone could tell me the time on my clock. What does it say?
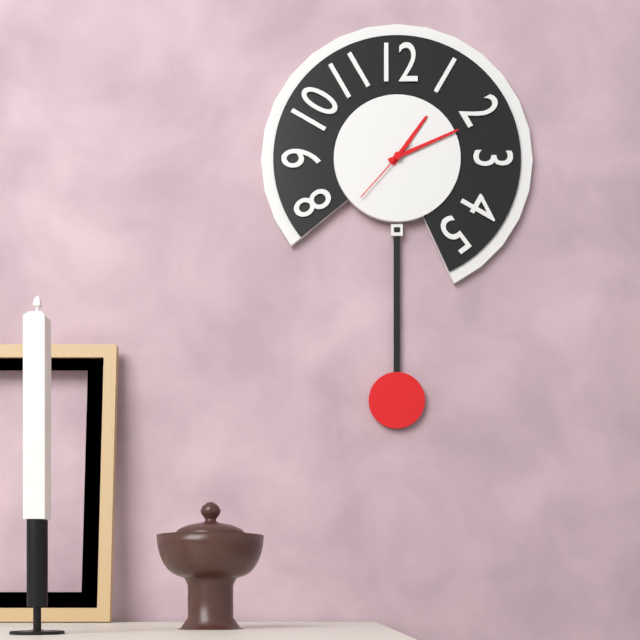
1:11:37
